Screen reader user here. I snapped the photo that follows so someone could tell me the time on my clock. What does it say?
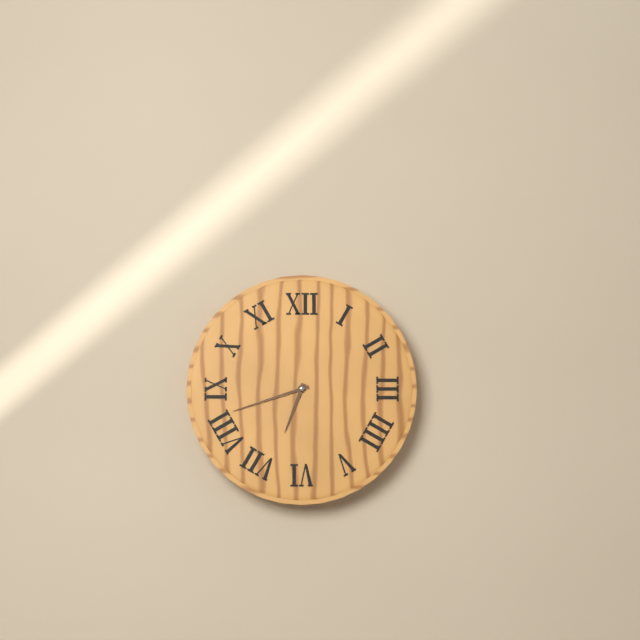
6:42
